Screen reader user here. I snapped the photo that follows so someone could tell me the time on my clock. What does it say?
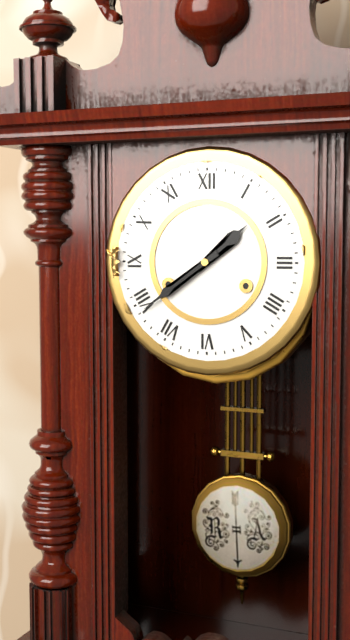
1:39
